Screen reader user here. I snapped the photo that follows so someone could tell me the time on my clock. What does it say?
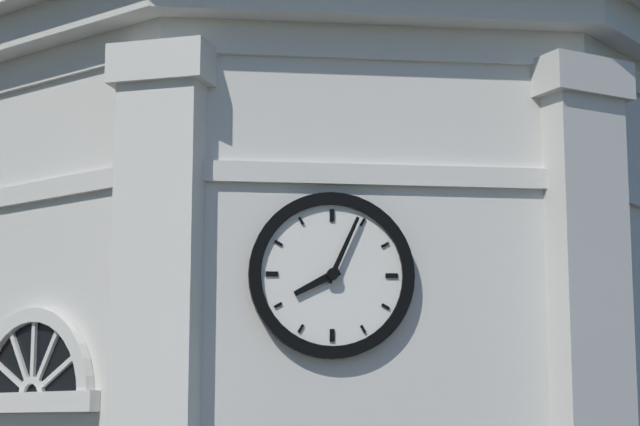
8:04
